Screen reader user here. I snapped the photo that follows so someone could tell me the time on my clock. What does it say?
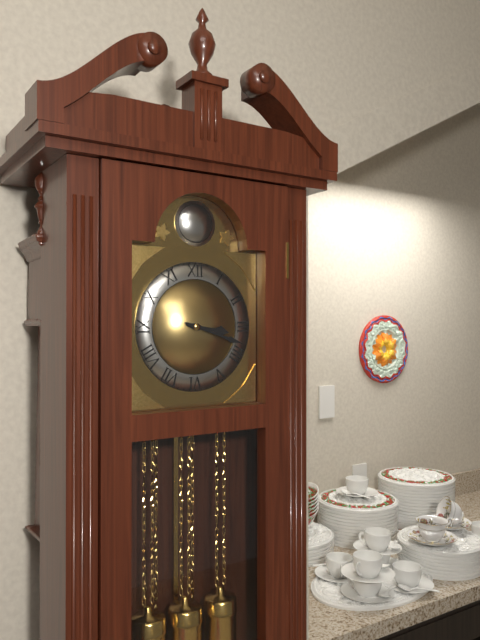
3:18
